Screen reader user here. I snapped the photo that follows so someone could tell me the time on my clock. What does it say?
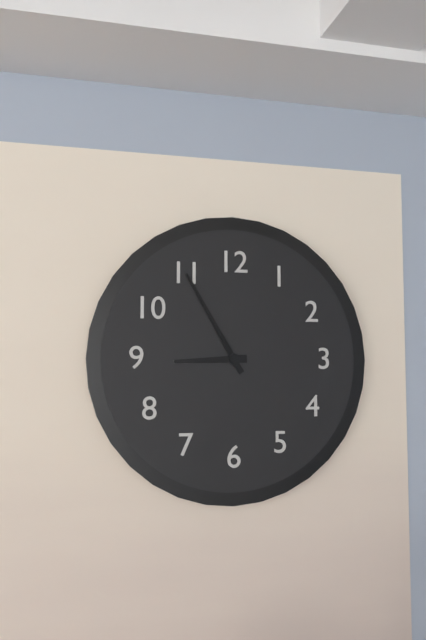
8:55
